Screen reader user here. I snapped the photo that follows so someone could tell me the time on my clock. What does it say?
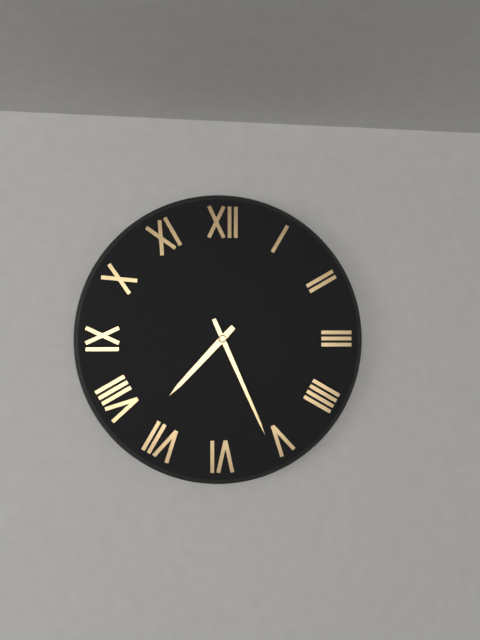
7:26
